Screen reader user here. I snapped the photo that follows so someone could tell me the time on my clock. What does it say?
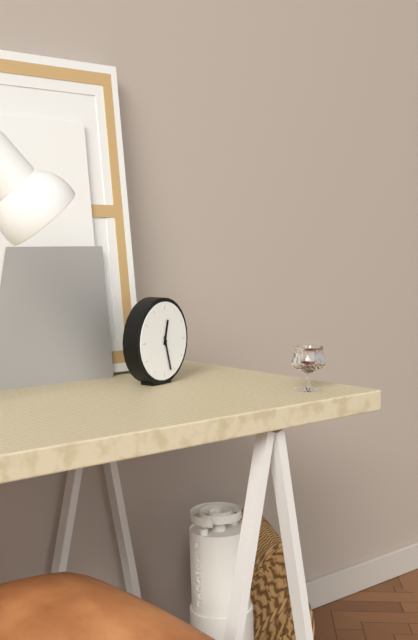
12:27
